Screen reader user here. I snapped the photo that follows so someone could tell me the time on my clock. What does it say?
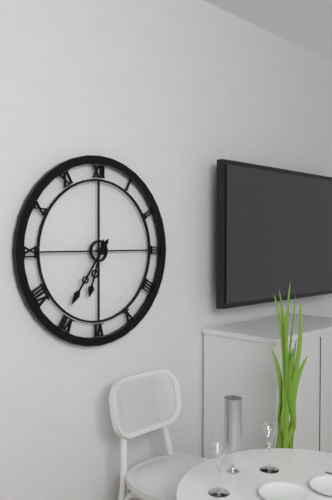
6:36
